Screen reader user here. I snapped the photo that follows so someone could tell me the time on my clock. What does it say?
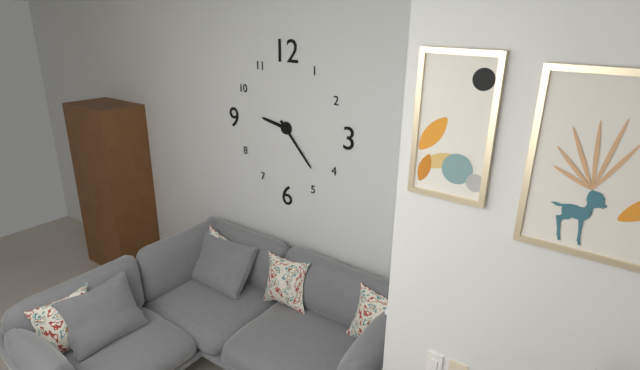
9:23
